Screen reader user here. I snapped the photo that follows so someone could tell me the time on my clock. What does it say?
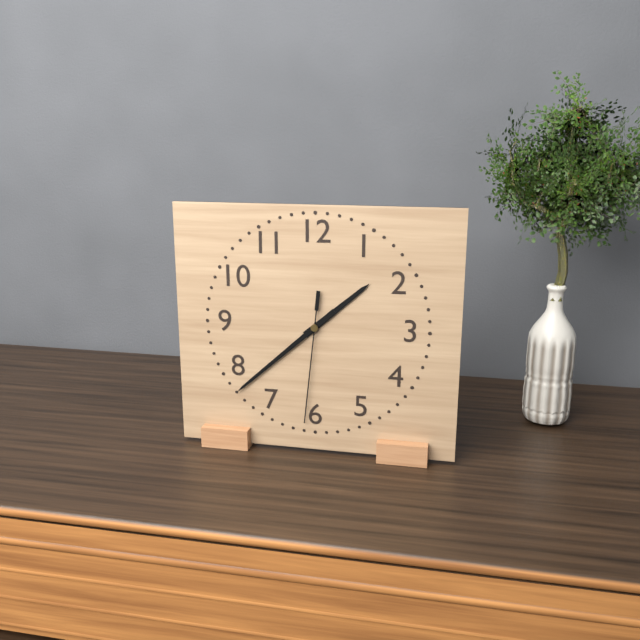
1:38:31
